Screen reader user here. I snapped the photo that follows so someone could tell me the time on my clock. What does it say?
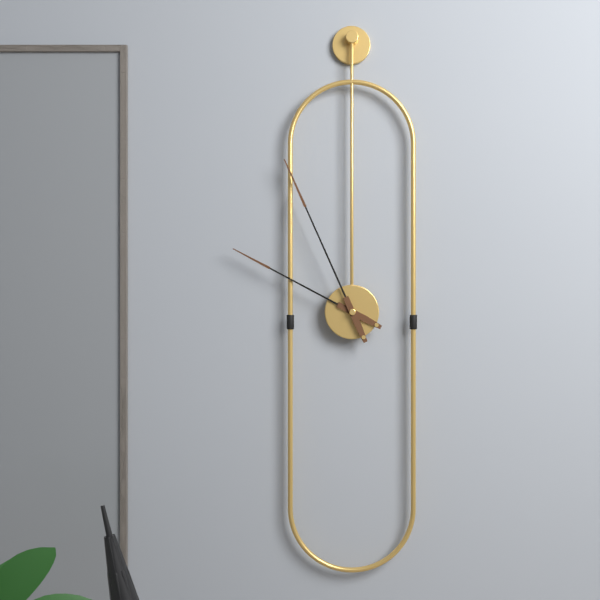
9:56
